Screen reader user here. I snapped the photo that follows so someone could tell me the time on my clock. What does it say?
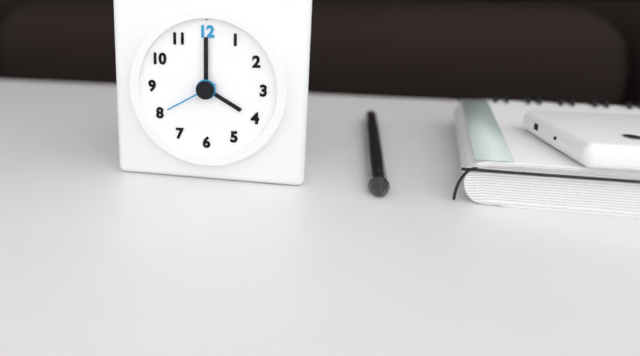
4:00:40
